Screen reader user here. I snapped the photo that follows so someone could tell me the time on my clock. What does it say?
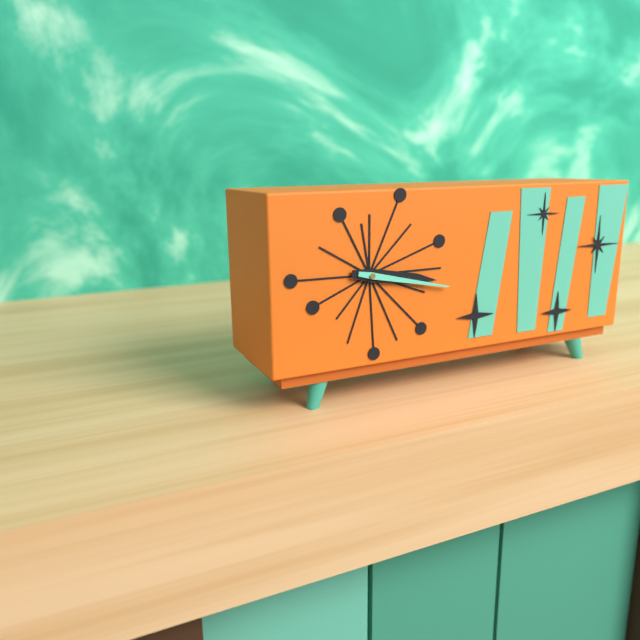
3:17
